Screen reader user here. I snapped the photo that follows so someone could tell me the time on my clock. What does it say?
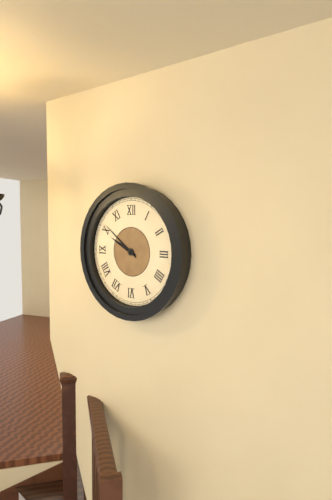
9:51
